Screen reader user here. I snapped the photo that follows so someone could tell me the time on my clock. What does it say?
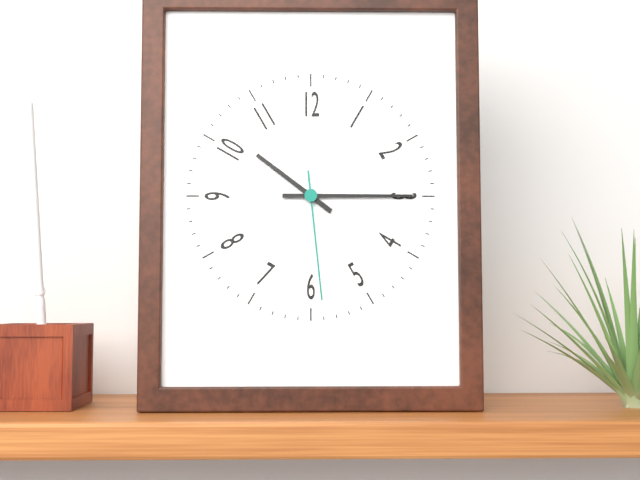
10:15:29
